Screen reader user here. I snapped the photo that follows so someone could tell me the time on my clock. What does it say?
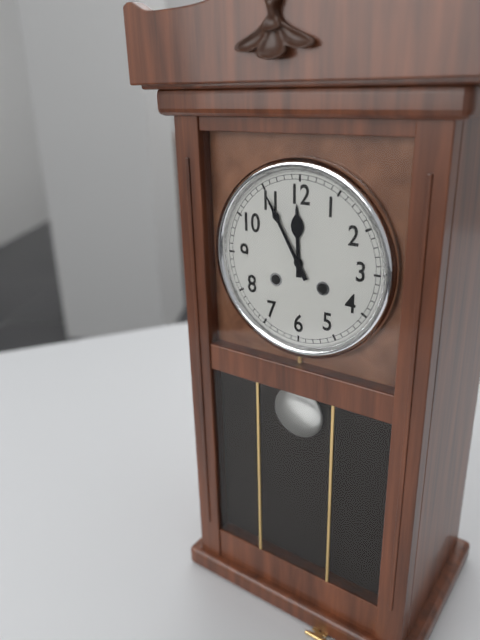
11:55
